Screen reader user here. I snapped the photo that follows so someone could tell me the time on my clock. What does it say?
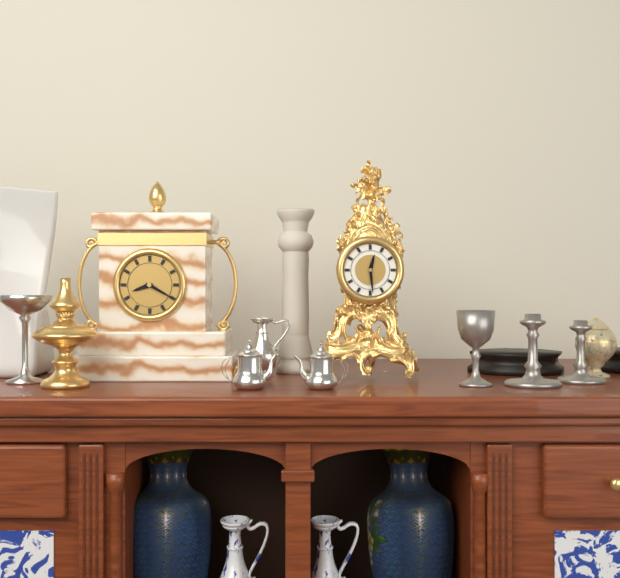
12:29
